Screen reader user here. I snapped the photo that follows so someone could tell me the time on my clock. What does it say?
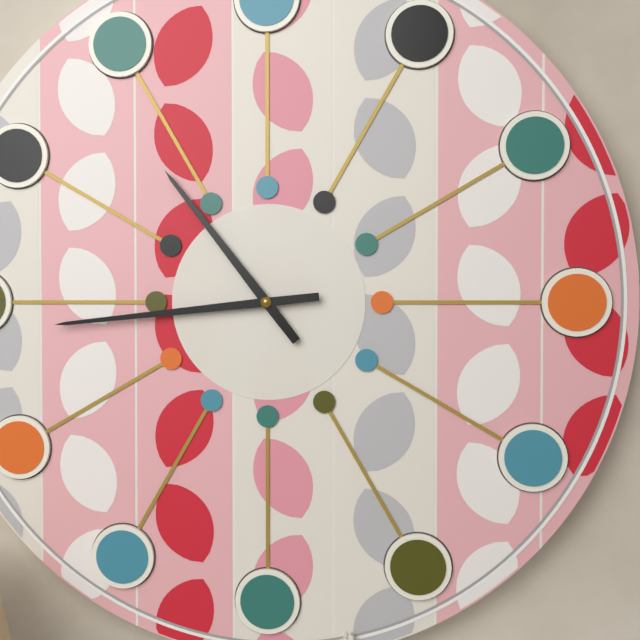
10:44
